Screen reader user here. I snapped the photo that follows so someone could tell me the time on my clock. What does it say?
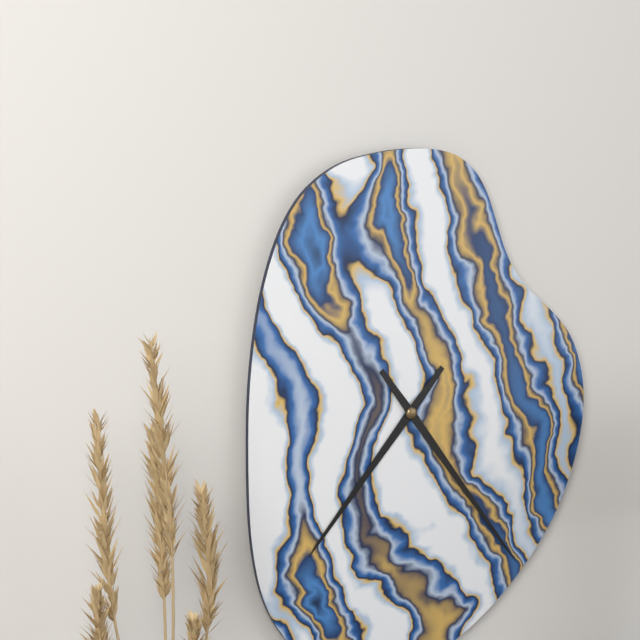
7:24
